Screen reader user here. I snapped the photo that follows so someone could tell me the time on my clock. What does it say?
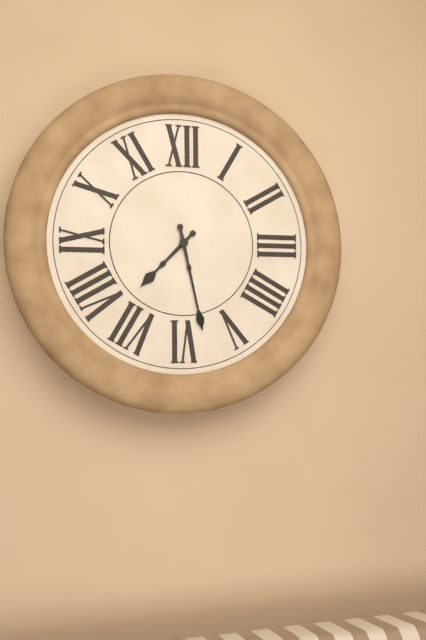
7:28
